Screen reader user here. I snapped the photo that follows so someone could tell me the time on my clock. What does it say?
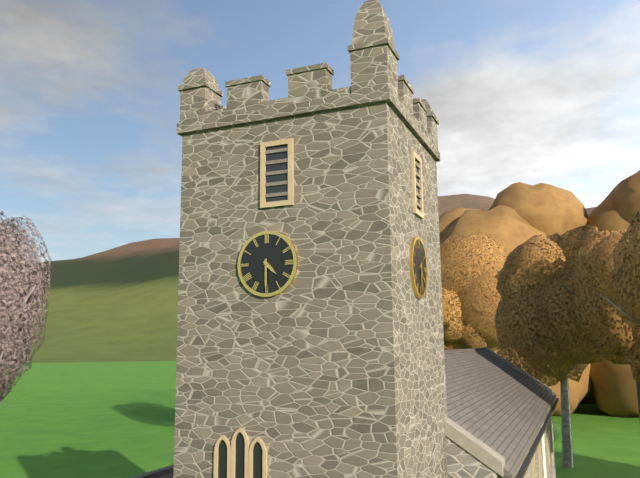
4:30
